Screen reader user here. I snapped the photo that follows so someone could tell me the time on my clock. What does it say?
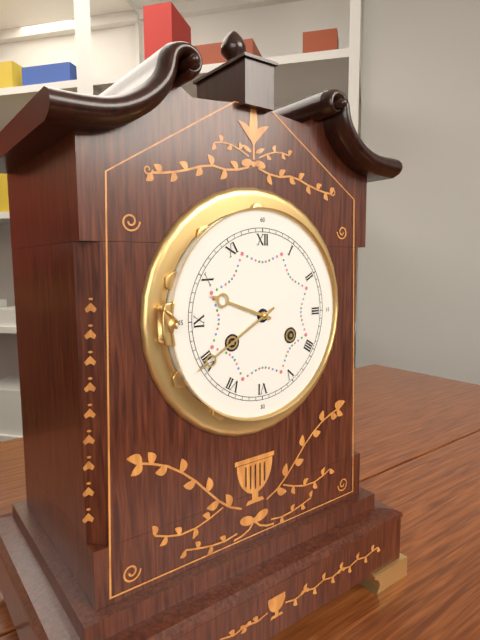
9:40
